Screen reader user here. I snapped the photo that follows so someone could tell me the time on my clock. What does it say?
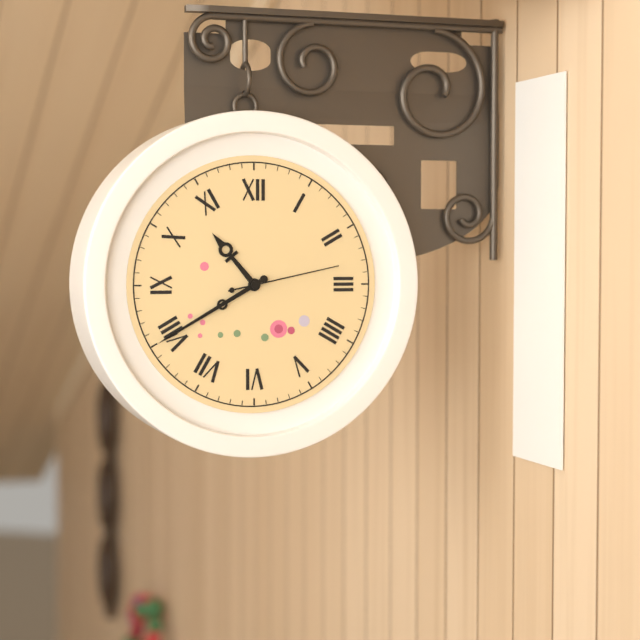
10:40:13
